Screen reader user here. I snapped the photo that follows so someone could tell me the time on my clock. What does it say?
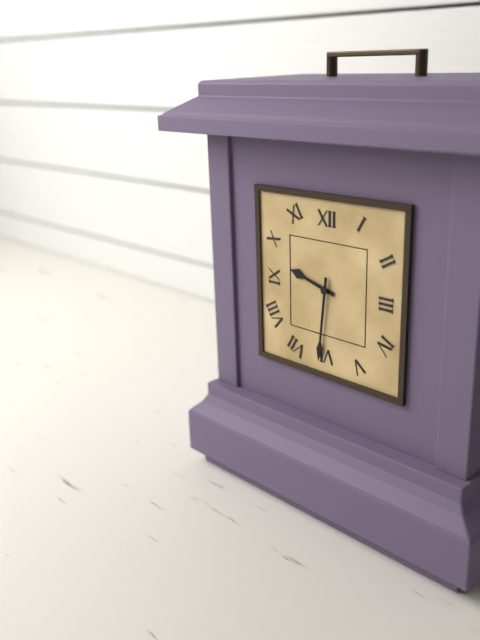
9:31
